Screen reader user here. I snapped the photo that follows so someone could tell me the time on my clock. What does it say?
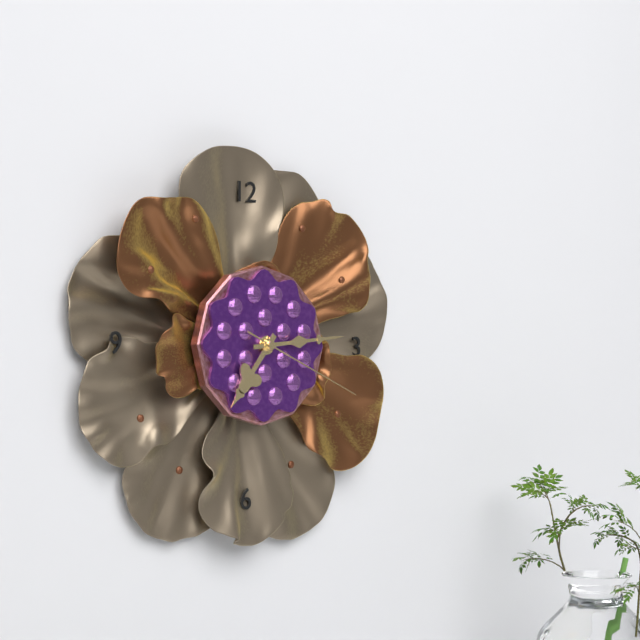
7:14:19
